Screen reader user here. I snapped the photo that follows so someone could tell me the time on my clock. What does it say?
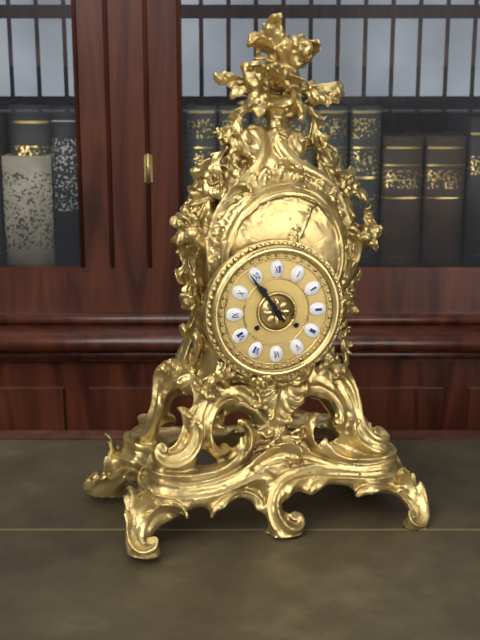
10:54
